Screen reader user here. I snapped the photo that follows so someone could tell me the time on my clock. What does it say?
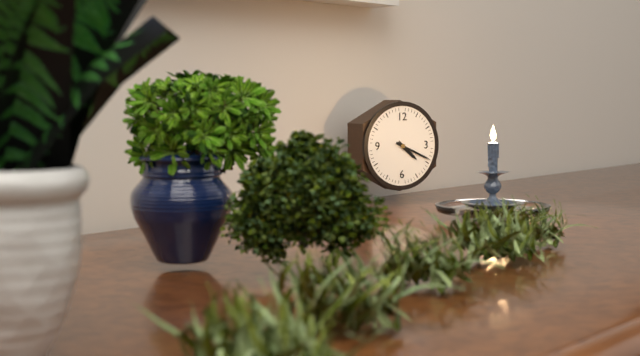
4:19
